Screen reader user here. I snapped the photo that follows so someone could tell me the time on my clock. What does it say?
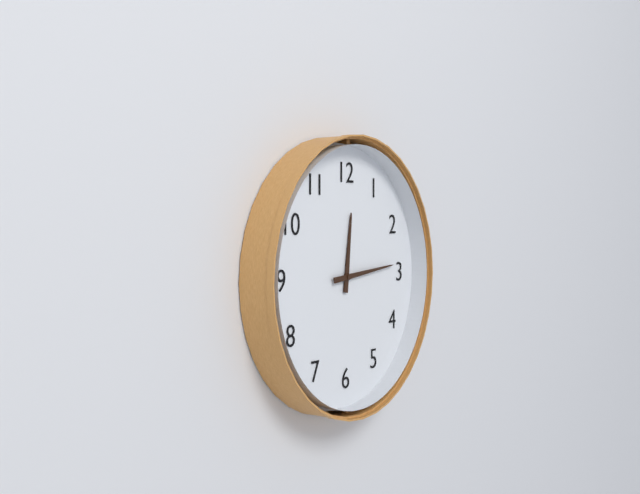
12:14
